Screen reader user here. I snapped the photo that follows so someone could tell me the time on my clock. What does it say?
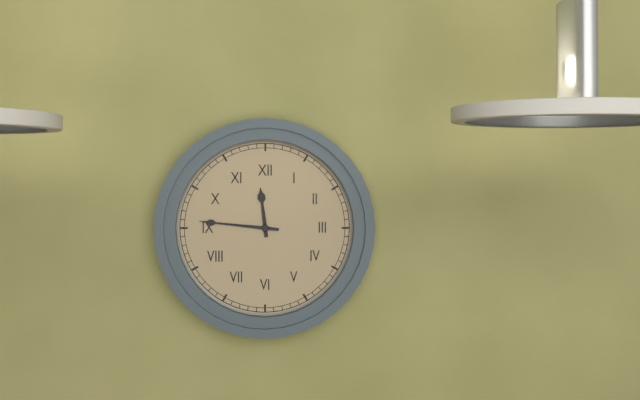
11:46
